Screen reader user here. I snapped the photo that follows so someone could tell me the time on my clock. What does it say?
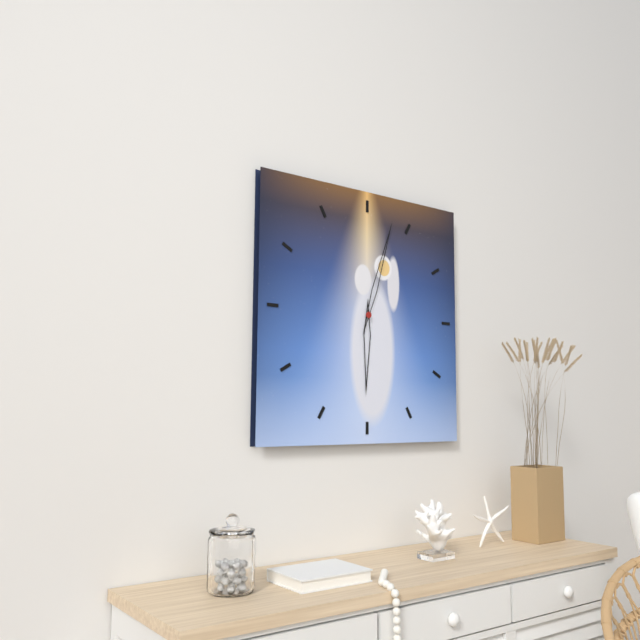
6:03
